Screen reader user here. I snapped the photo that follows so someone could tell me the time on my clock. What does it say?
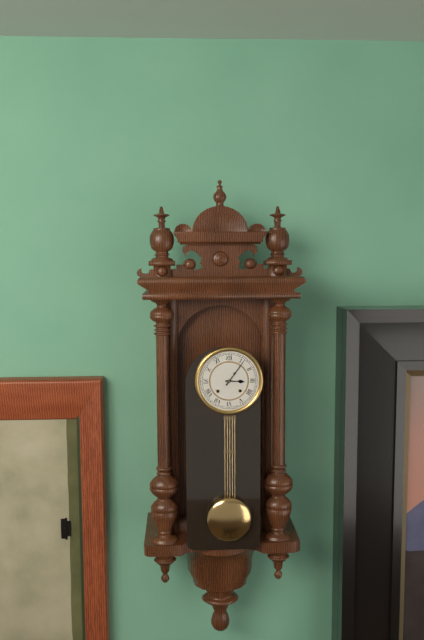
3:06
